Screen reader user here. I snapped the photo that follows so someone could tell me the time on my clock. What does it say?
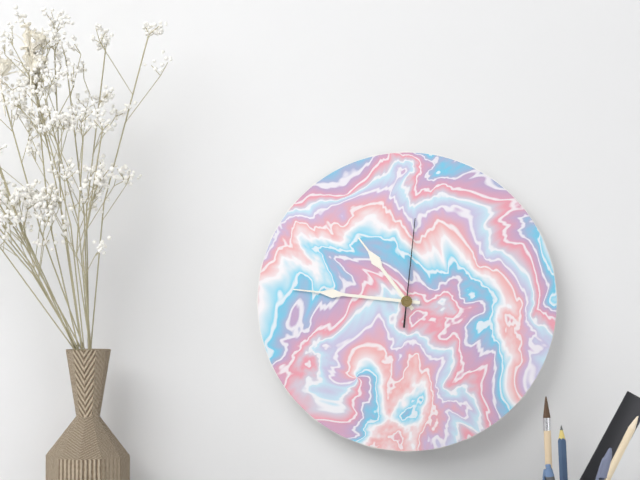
10:46:01
